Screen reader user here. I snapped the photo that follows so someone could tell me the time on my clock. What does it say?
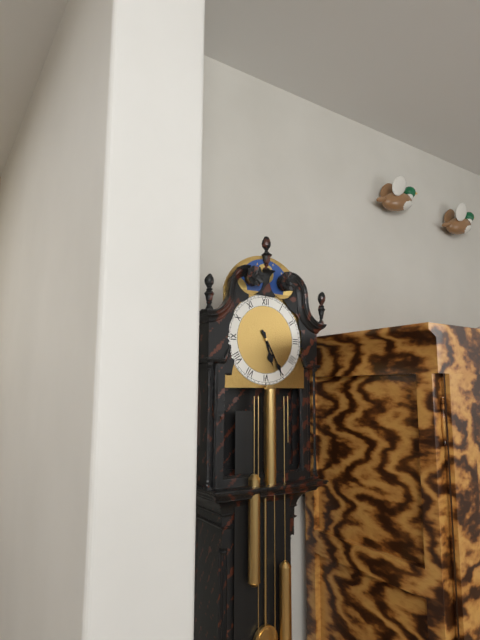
5:25
